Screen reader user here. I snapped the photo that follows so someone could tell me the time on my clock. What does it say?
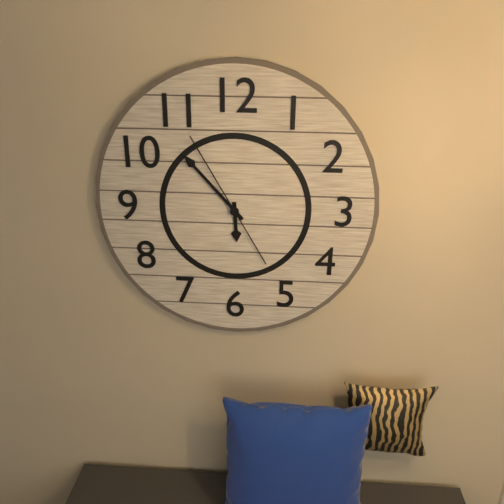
5:53:55
